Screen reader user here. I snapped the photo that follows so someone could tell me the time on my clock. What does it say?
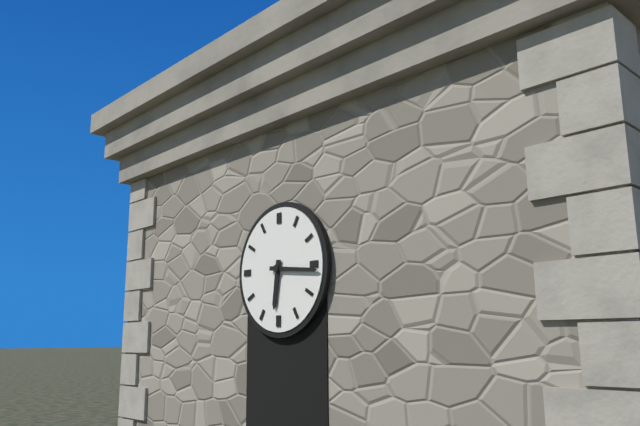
6:16
